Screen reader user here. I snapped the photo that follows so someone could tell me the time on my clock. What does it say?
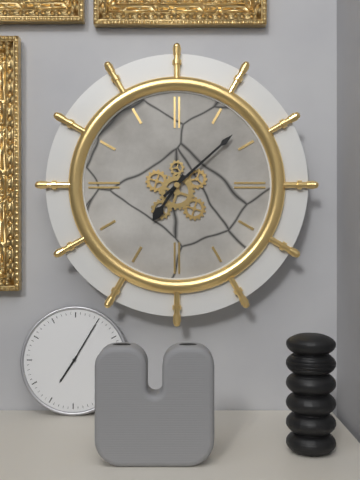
7:08
